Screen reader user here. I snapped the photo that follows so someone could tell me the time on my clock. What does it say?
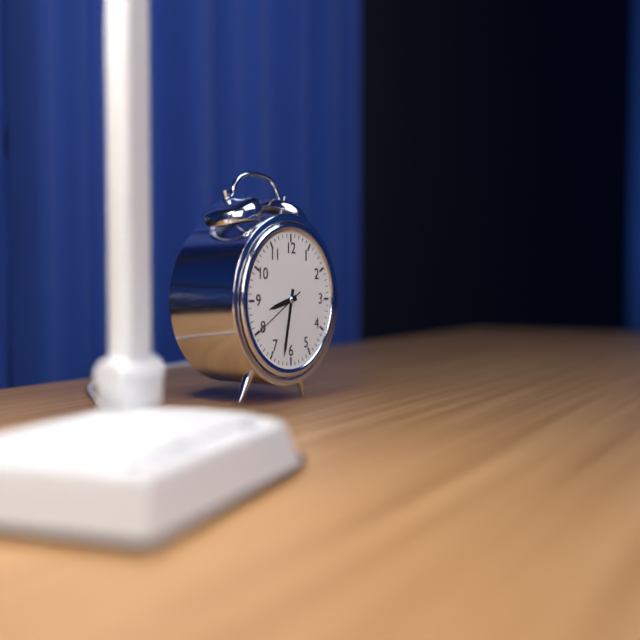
8:32:40
